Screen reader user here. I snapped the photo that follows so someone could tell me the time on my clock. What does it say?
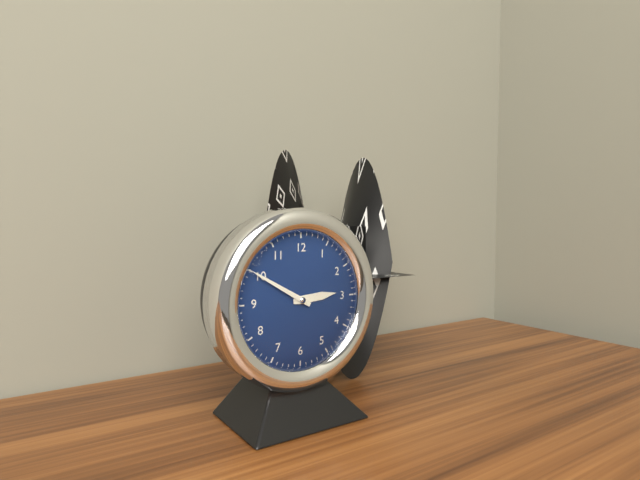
2:50
